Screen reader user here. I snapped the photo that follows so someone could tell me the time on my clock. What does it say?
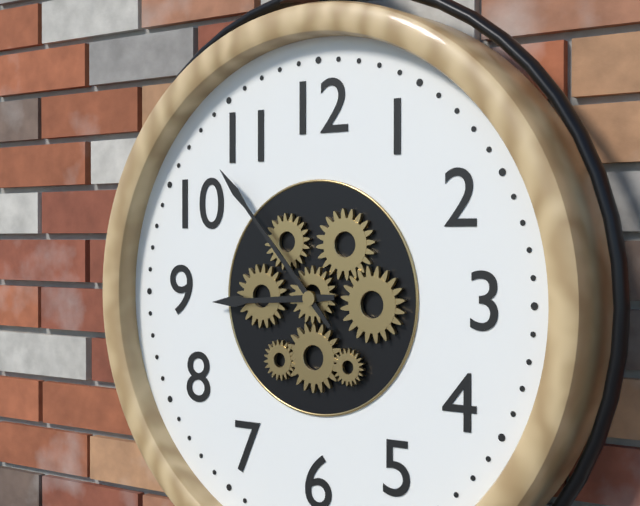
8:53
